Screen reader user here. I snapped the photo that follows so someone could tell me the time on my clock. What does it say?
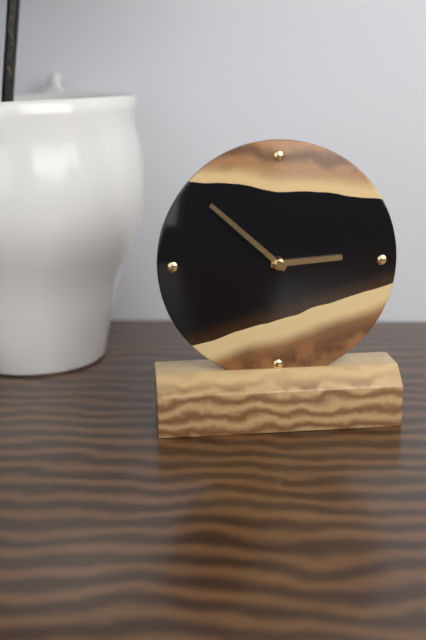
2:52
